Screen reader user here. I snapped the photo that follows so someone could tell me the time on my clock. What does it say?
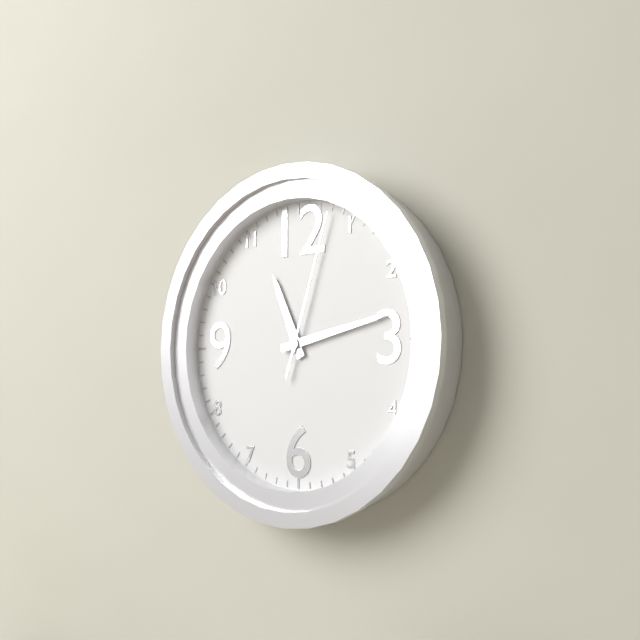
11:13:03
